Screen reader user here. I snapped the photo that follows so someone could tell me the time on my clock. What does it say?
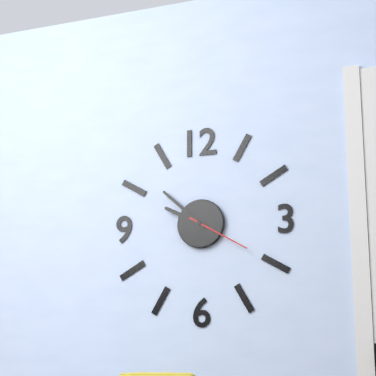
9:52:20
